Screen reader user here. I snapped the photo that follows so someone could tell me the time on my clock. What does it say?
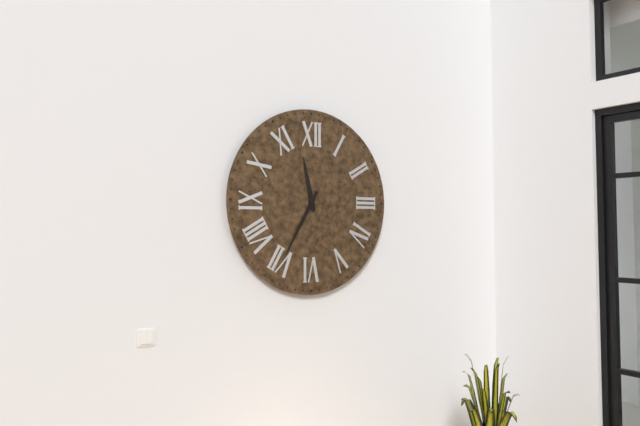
11:35
